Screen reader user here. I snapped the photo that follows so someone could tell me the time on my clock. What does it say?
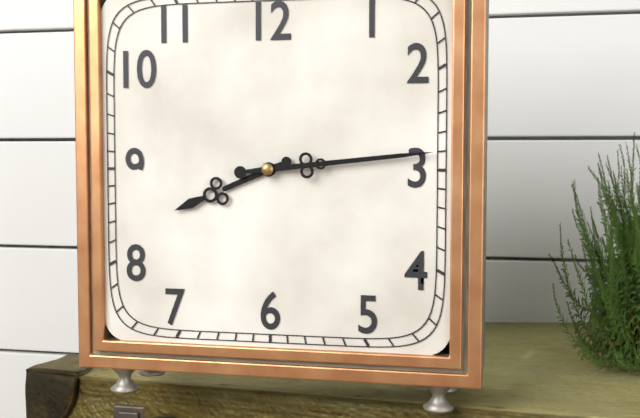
8:14
